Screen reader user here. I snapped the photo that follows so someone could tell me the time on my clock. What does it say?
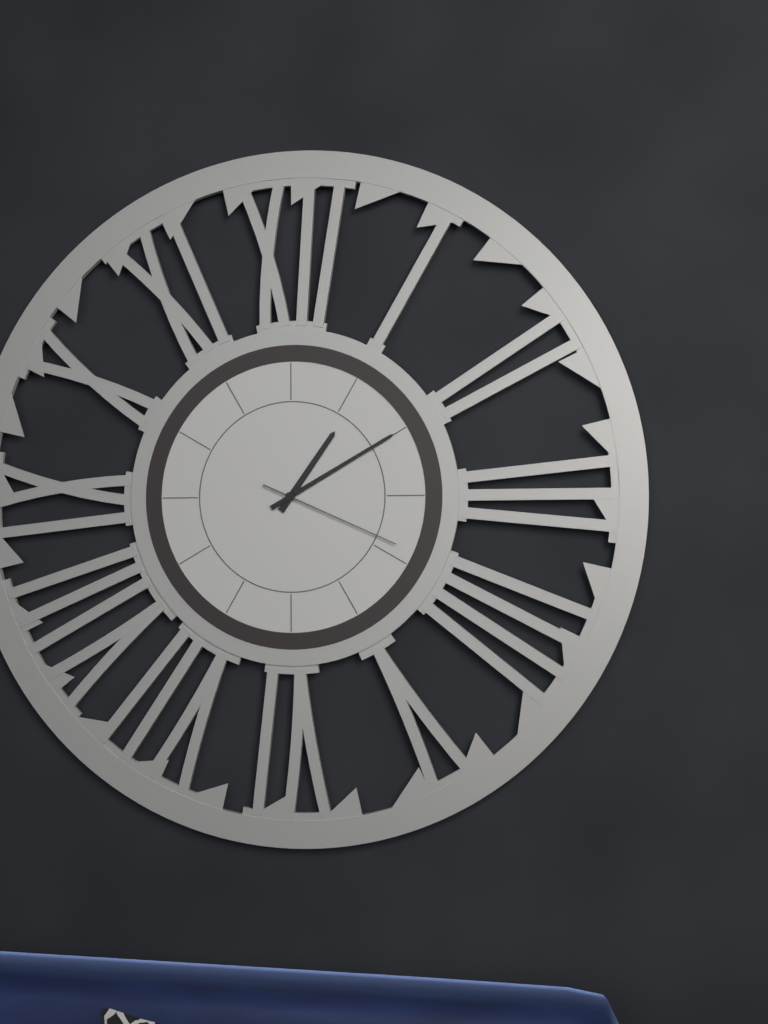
1:10:19
